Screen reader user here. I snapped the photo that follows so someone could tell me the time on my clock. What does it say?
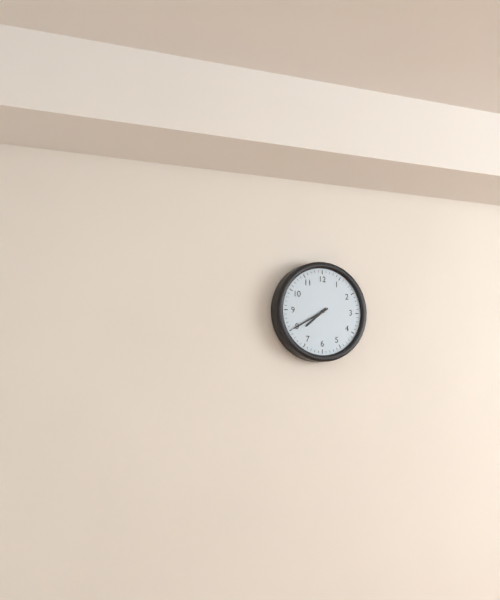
7:40
